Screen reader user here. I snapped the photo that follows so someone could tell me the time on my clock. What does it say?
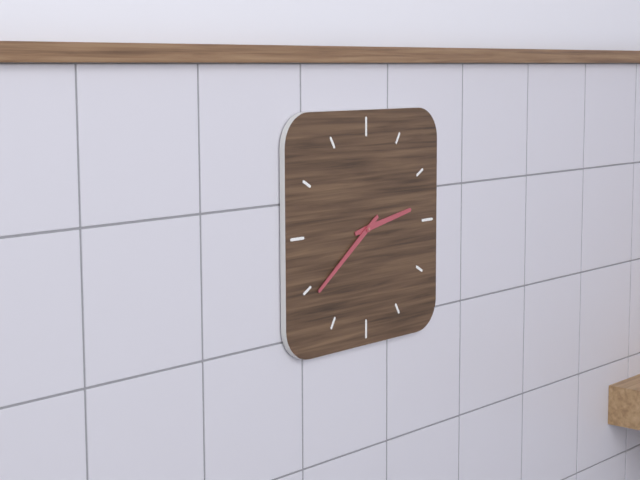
2:39
